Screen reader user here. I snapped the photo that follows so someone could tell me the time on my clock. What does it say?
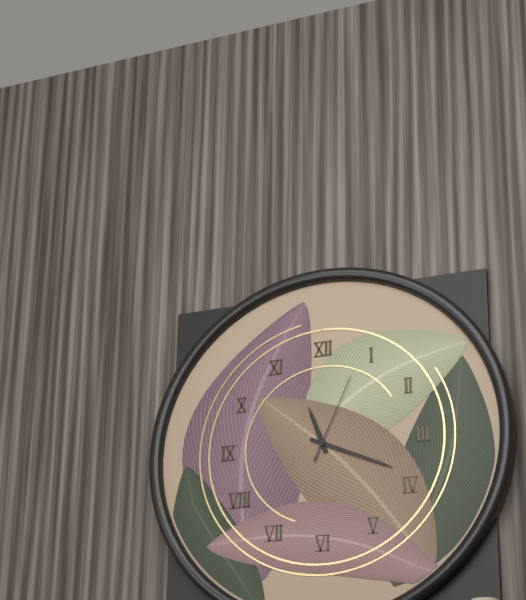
11:19:04
